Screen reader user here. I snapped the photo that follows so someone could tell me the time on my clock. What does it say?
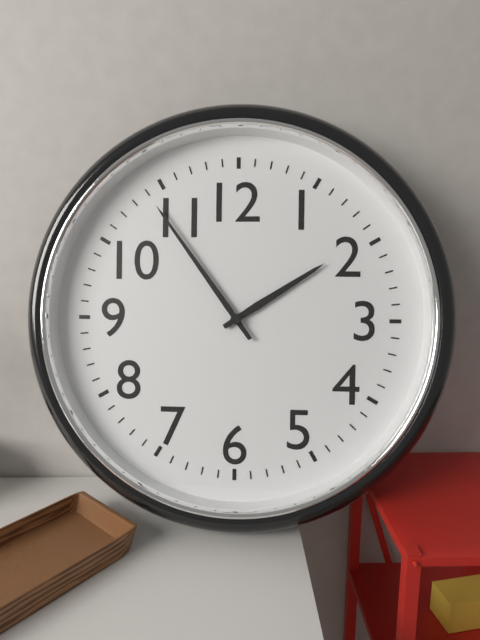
1:54
